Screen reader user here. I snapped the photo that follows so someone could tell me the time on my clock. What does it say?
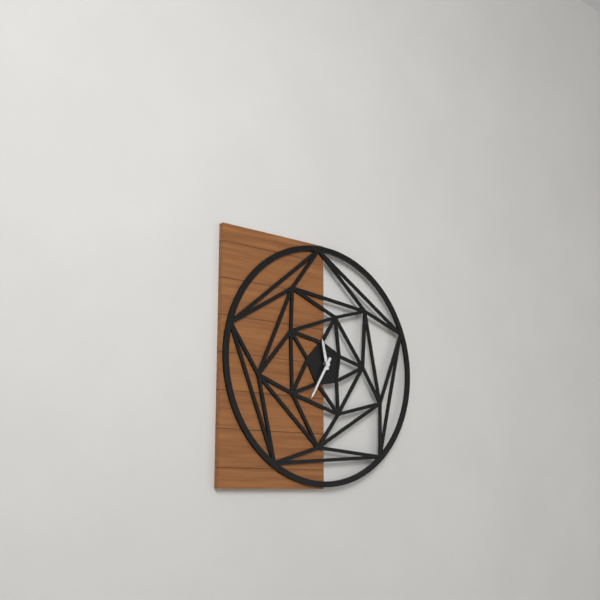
11:35
